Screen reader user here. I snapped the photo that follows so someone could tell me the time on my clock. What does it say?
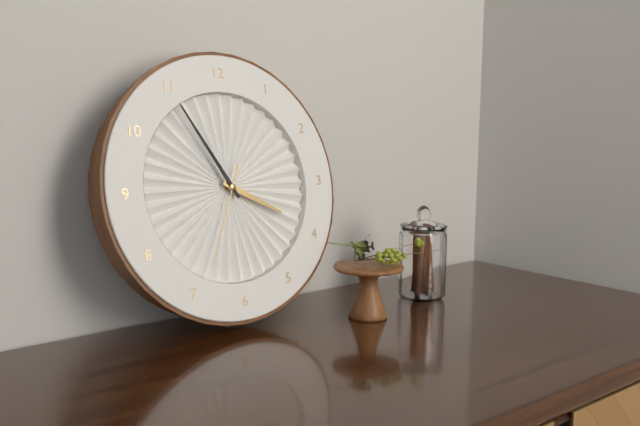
3:55:34
